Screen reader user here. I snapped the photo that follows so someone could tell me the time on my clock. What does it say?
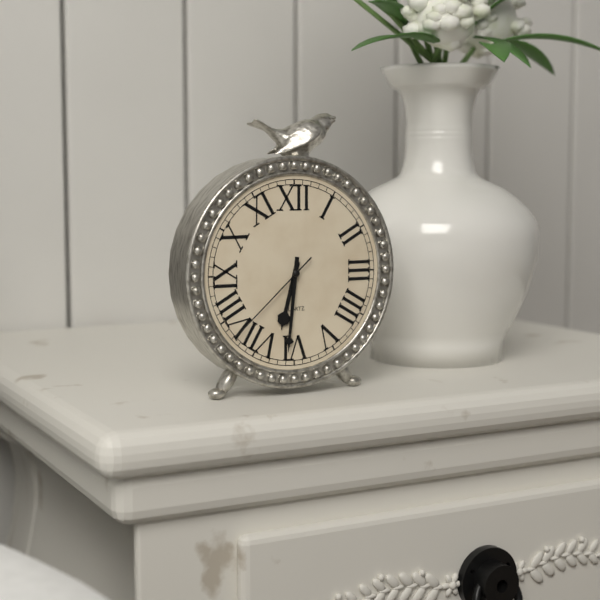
6:31:38
